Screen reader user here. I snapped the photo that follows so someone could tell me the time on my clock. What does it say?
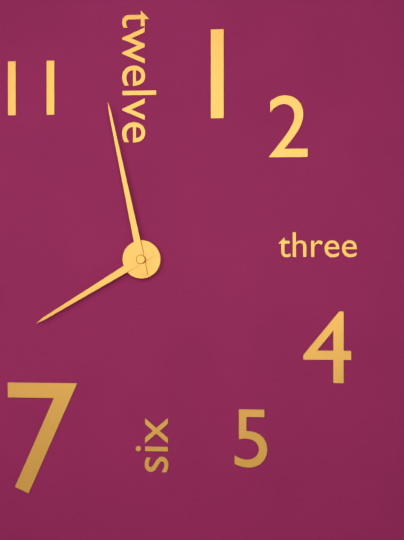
7:58
